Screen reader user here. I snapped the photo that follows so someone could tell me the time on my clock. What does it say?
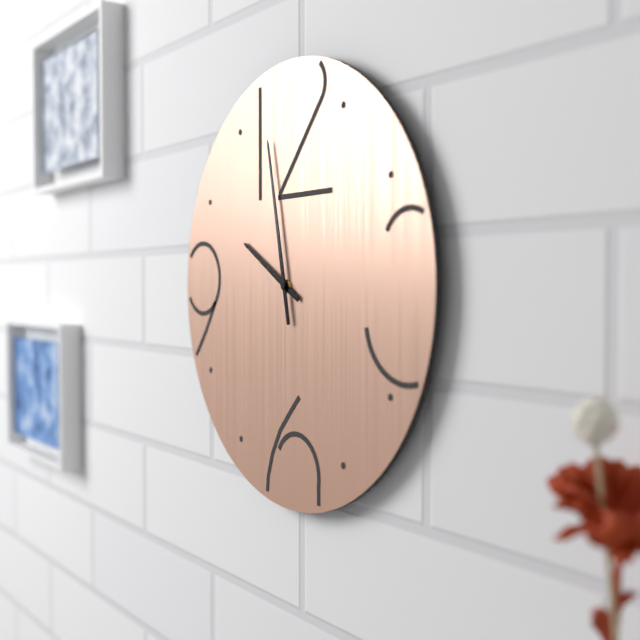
9:58
